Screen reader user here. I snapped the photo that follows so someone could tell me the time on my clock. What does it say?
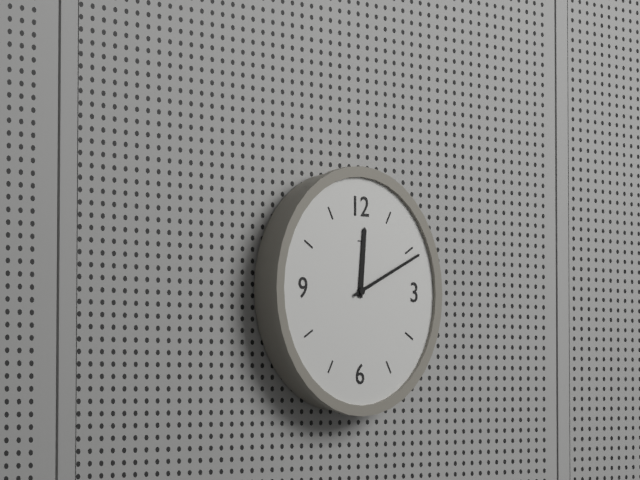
12:11
